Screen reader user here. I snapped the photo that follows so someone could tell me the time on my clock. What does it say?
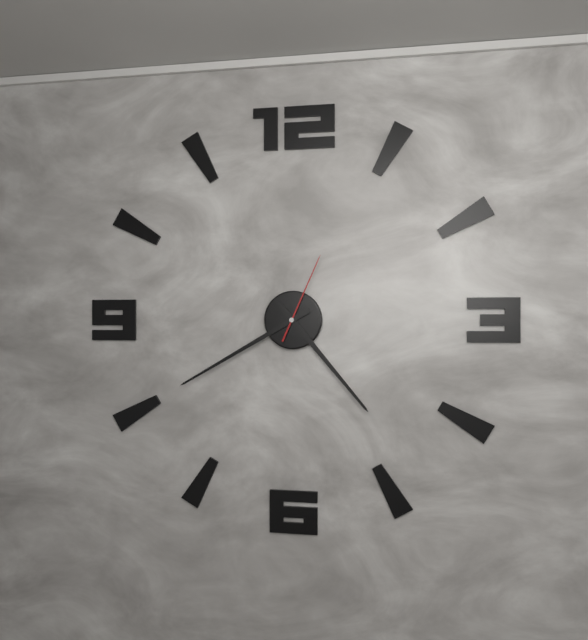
4:40:04
